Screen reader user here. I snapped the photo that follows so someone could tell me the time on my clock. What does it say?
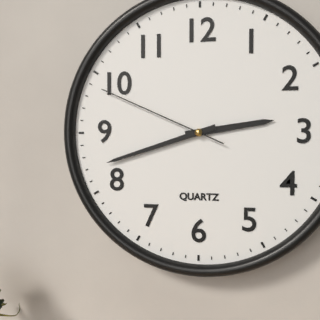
2:42:49
